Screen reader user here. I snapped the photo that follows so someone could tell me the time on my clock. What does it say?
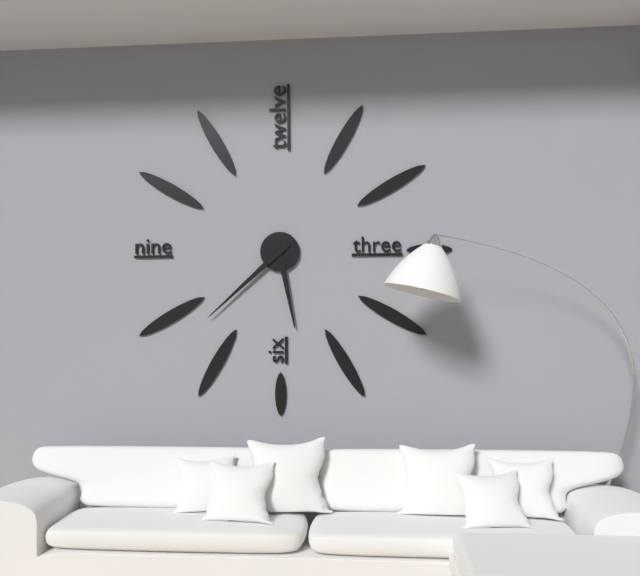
5:38
